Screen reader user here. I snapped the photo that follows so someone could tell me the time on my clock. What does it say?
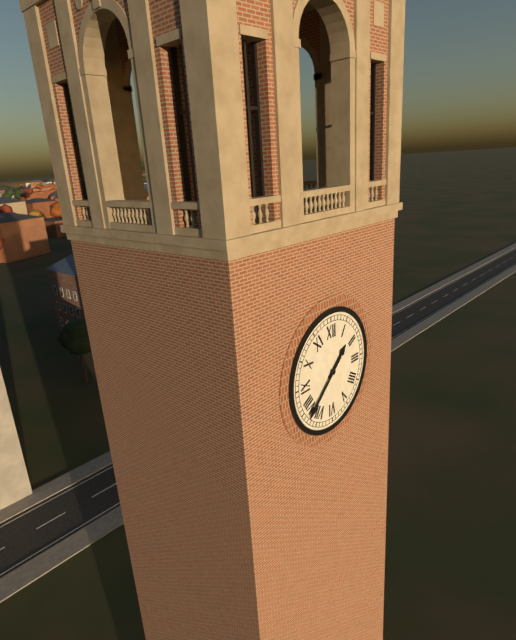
1:38
